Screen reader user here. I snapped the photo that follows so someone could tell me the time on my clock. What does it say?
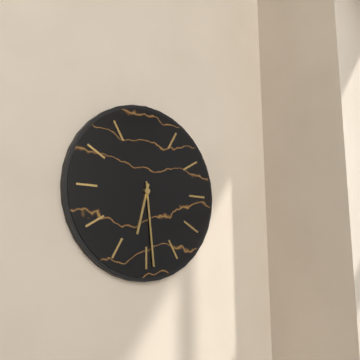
6:29
